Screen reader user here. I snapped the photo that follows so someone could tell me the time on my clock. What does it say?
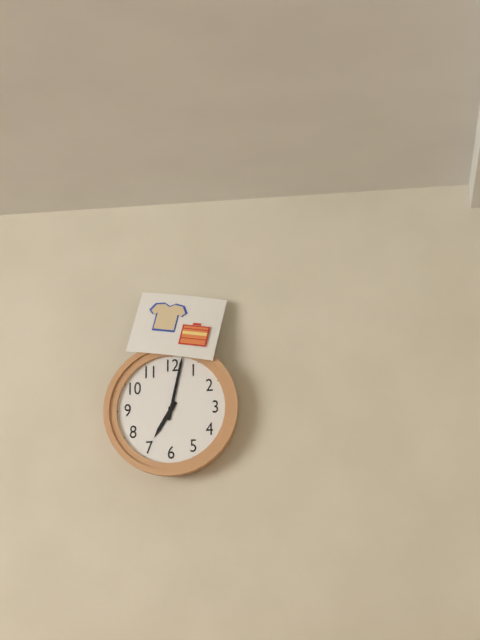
7:02
